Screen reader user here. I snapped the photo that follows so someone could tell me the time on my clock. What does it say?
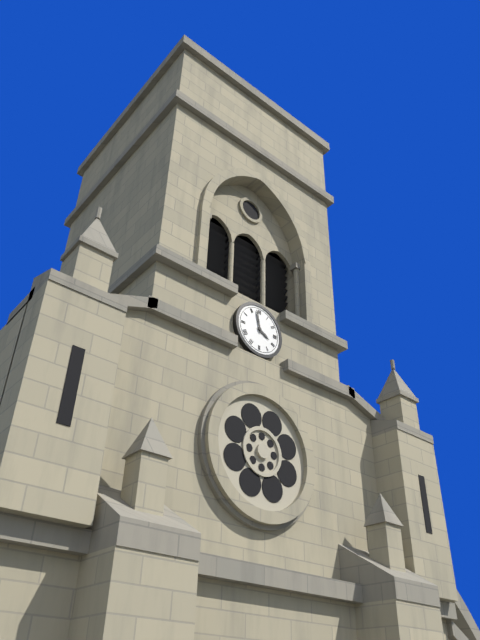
3:58
